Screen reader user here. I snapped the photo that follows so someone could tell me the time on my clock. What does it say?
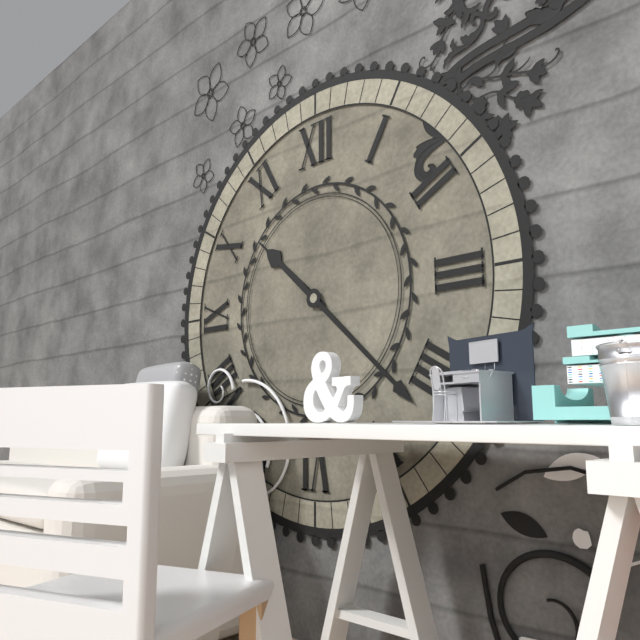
10:22
